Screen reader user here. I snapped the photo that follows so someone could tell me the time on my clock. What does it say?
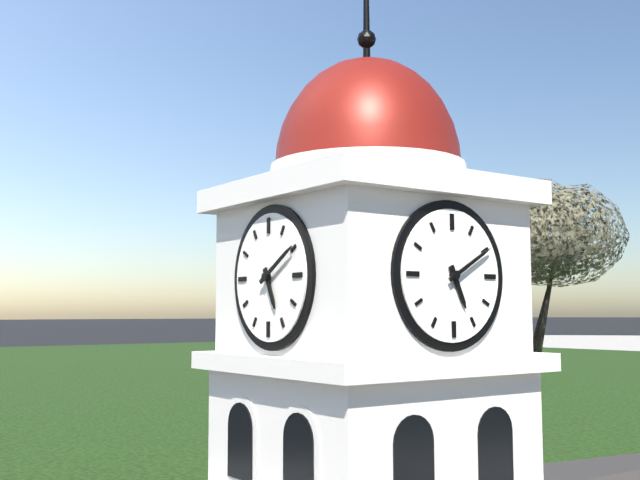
5:10
